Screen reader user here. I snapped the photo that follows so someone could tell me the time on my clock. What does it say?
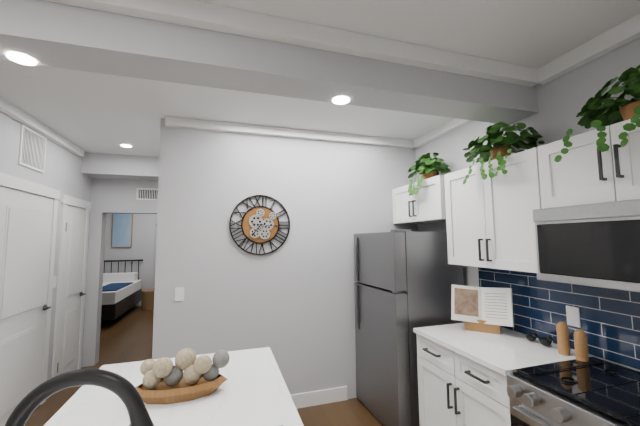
7:16
